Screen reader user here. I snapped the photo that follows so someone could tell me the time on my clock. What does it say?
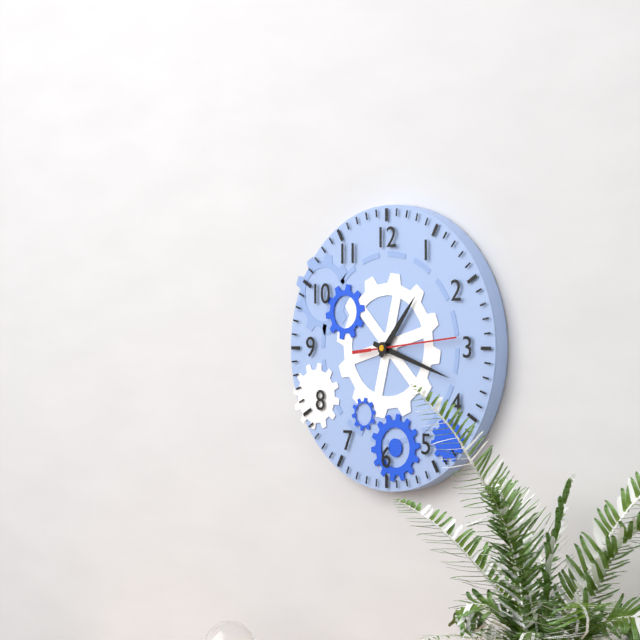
1:18:14
